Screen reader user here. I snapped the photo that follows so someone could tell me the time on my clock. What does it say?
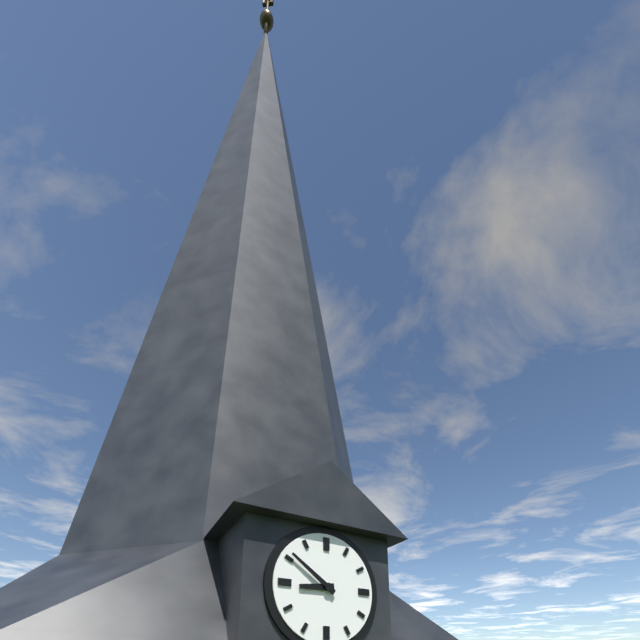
8:51
